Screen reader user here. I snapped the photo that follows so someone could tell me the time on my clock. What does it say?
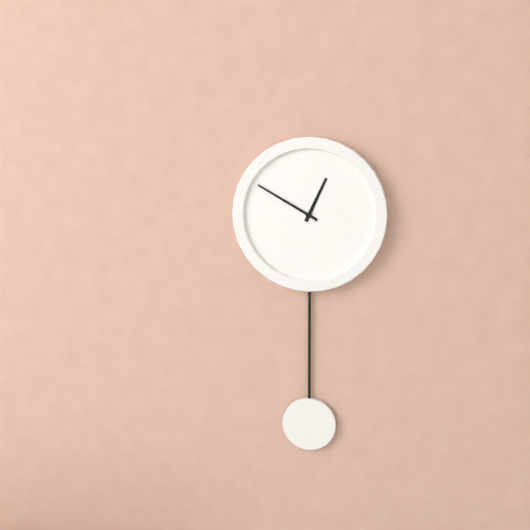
12:50
